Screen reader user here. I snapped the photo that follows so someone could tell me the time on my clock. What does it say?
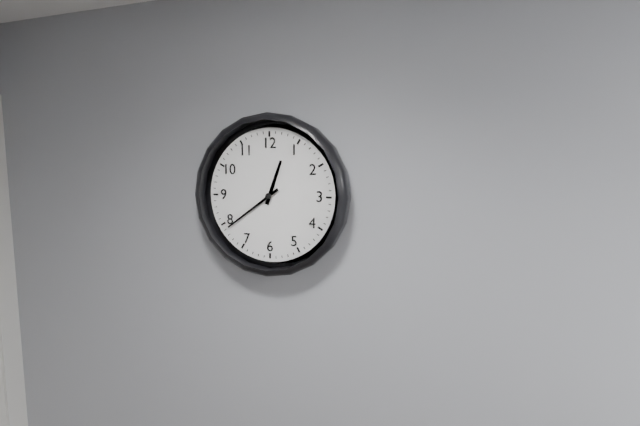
12:39
